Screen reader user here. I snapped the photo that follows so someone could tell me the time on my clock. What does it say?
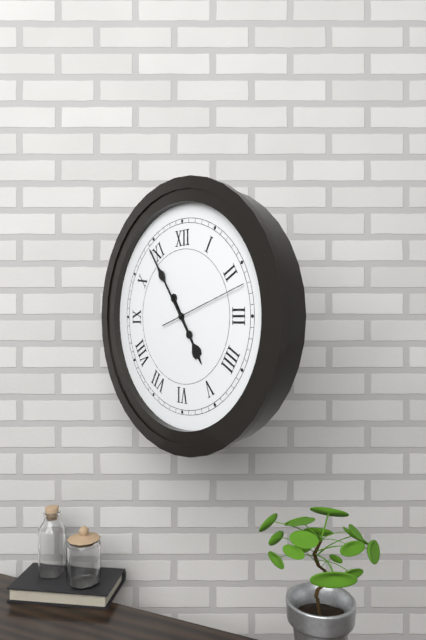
4:54:12
